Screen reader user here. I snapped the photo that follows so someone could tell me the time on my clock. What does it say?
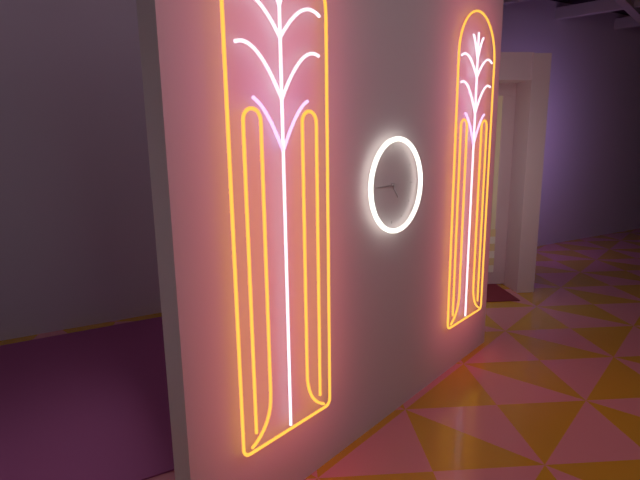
4:45
